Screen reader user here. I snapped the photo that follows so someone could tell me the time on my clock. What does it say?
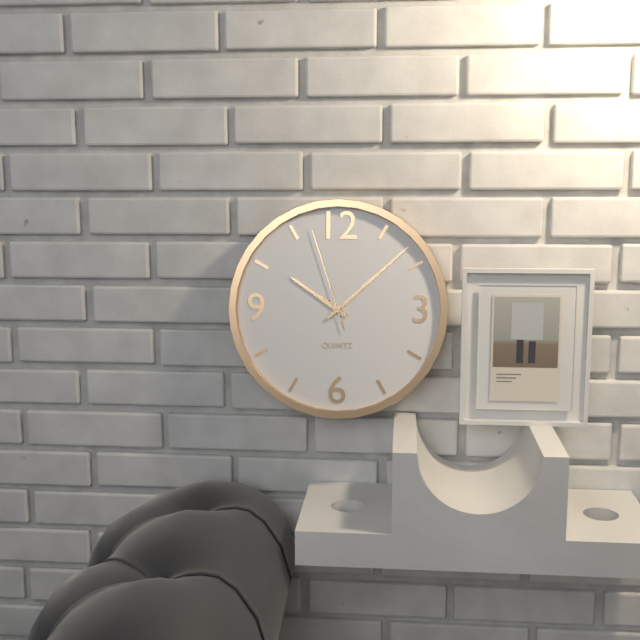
10:08:57
